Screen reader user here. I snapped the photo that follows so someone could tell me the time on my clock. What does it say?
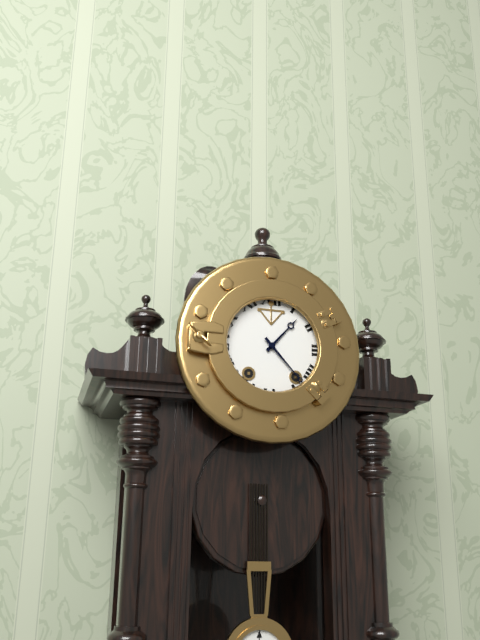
1:23
